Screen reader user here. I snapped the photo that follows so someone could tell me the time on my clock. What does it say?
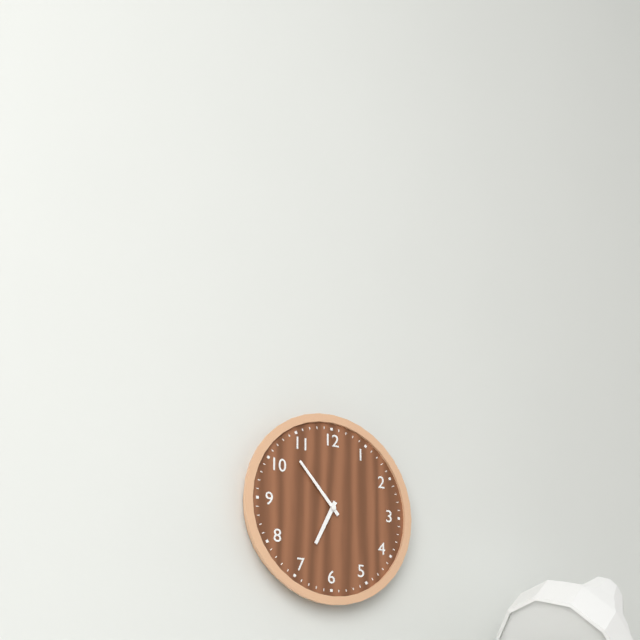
6:53
